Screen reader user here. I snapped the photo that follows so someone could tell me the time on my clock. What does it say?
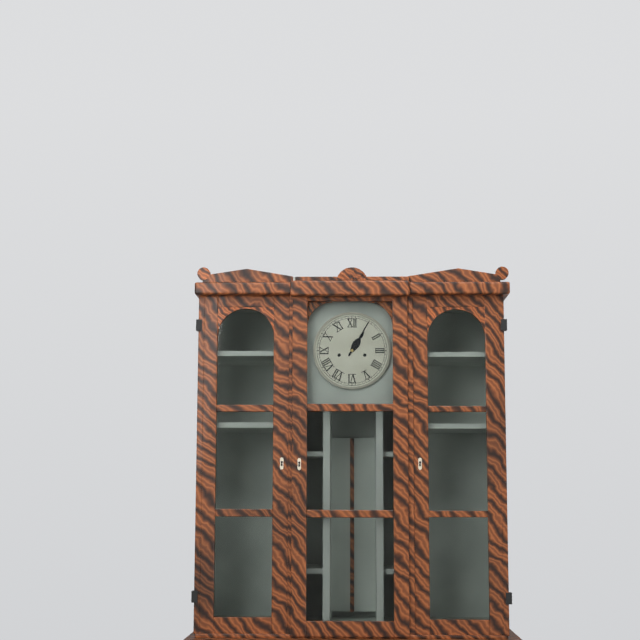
1:05
